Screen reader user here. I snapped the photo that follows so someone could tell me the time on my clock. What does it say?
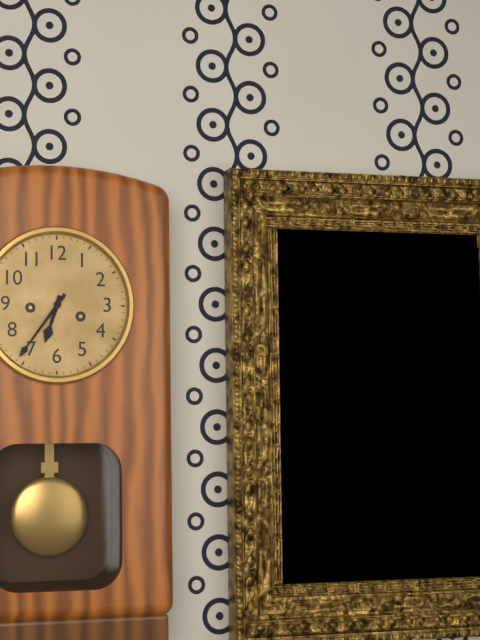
6:36
